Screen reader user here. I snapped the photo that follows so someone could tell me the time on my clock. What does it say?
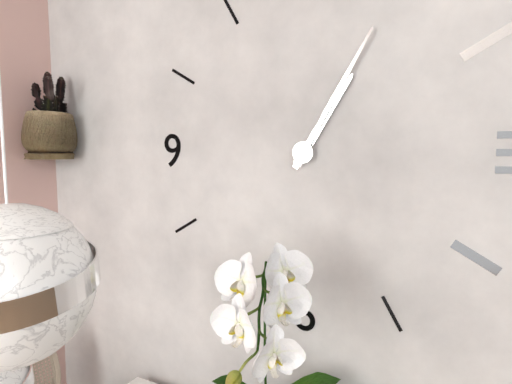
1:05
